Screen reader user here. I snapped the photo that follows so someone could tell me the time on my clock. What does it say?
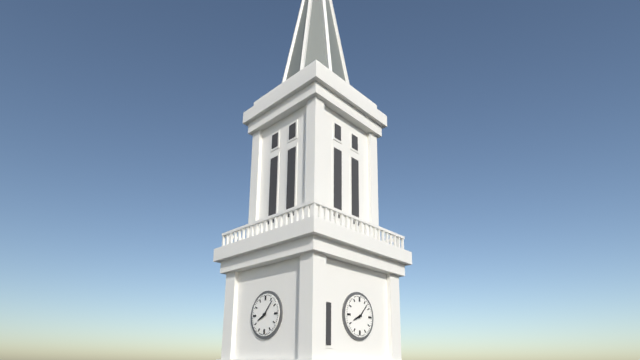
8:07
